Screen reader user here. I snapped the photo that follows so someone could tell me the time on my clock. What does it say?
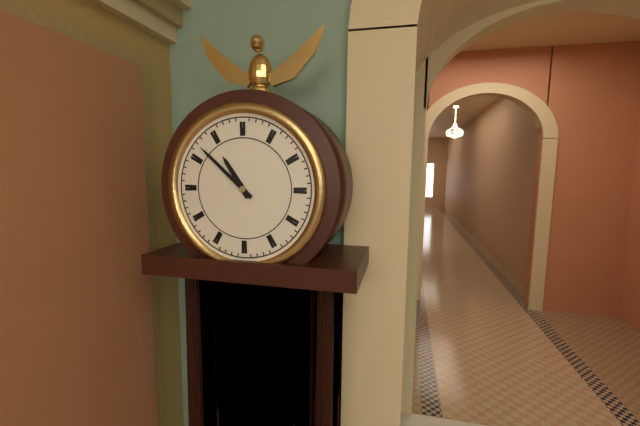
10:52
